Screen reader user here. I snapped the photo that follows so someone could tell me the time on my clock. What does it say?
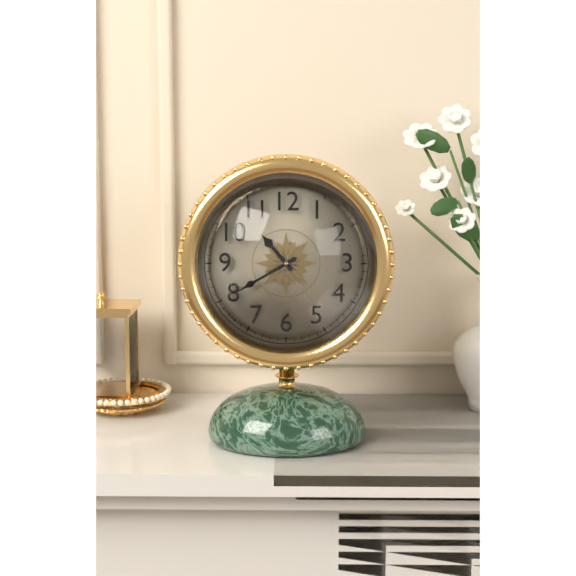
10:40
